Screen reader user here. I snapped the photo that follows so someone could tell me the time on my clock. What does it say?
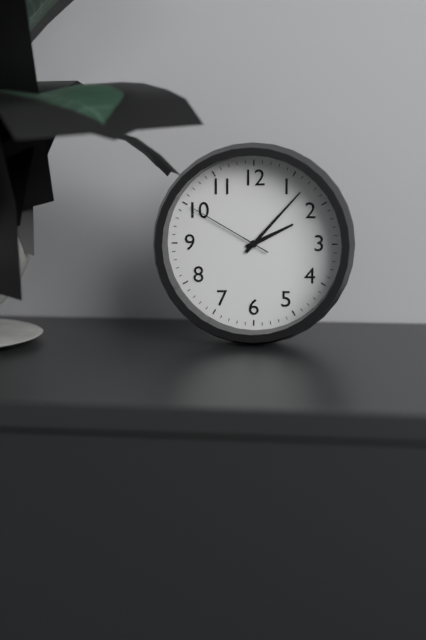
2:07:50
